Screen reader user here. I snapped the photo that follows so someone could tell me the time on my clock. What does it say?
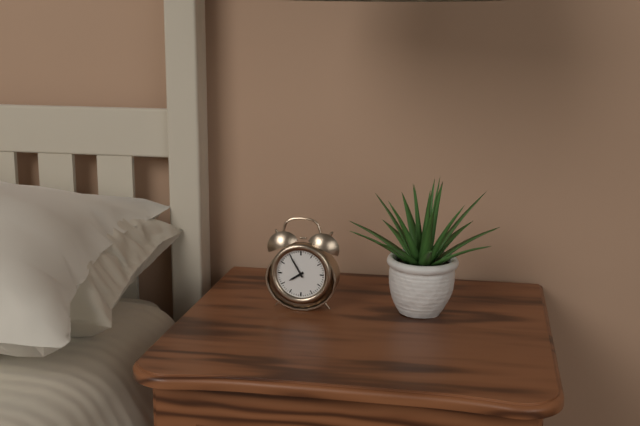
7:55
